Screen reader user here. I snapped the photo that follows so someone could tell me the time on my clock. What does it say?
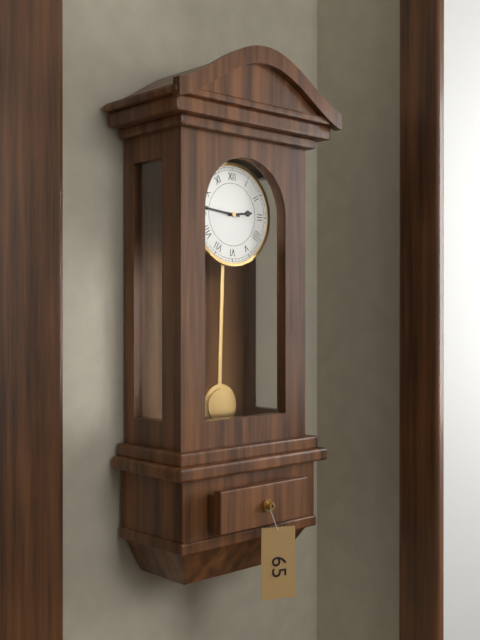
2:46
